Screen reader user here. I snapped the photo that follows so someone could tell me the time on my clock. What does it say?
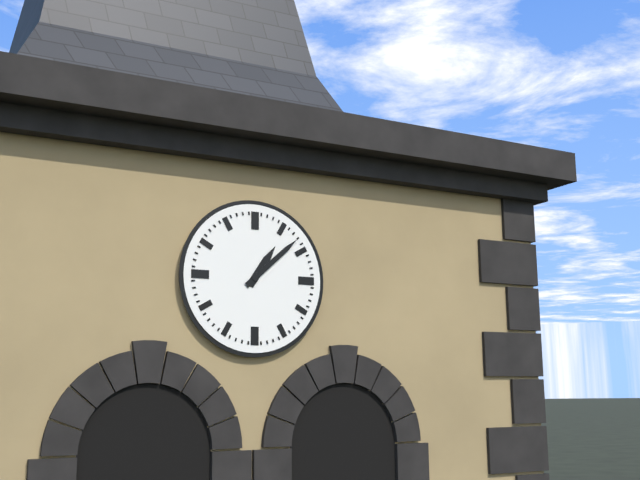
1:08
